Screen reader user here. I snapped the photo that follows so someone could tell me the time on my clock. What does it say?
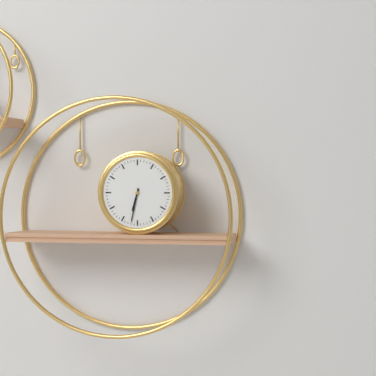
6:32
